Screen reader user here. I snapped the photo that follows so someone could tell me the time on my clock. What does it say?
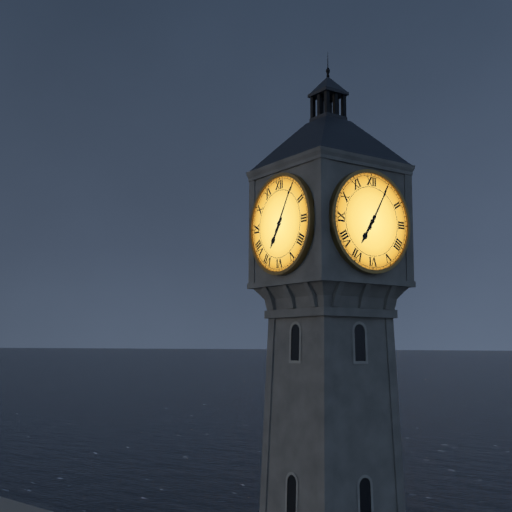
7:05
